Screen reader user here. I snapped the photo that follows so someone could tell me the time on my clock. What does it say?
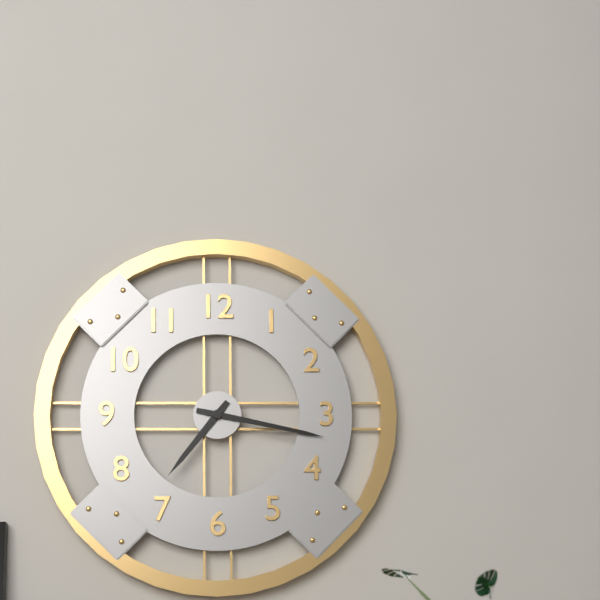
7:17
